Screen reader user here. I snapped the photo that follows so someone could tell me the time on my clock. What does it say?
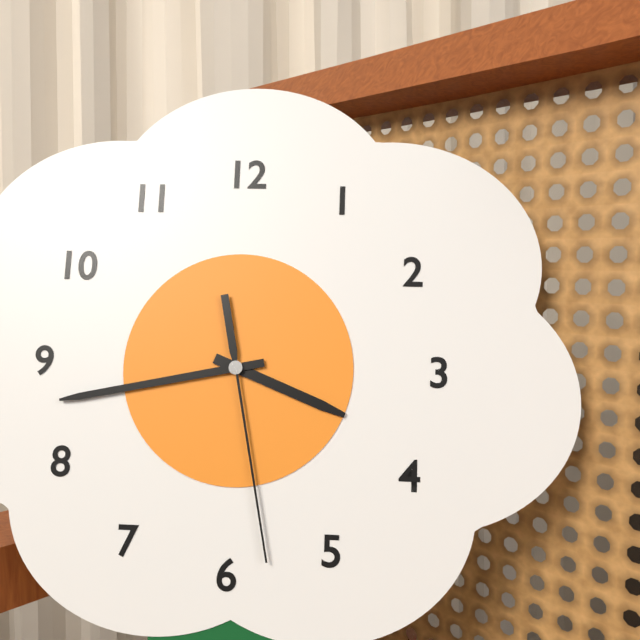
3:43:28
